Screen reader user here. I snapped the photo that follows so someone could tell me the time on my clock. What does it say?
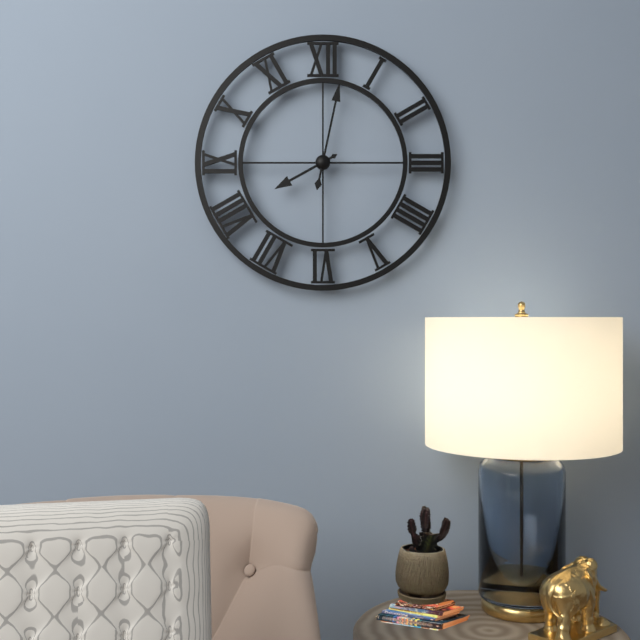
8:02
